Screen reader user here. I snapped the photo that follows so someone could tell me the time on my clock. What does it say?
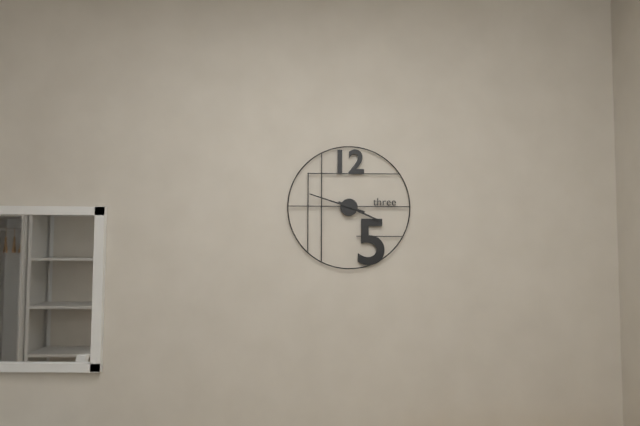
3:48
